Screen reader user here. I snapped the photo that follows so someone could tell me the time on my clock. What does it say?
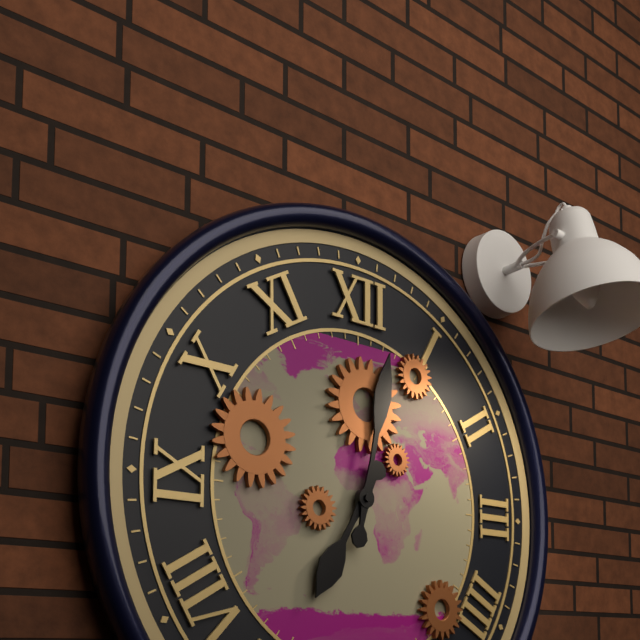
7:02
